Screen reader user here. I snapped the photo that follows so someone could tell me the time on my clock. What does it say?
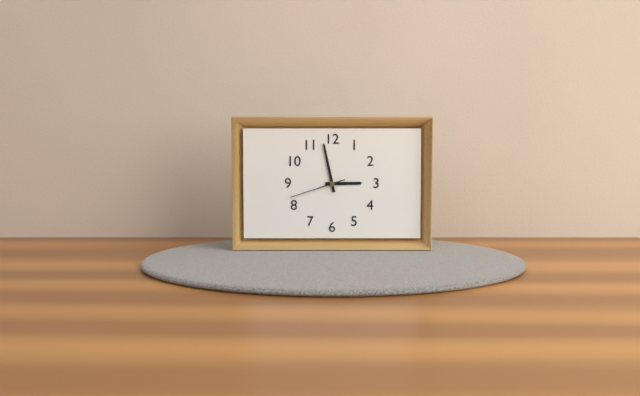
2:58:42
